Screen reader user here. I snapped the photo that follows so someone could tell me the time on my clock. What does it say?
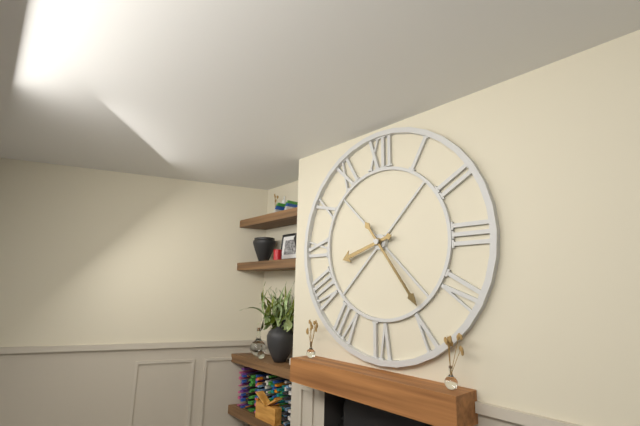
8:24
